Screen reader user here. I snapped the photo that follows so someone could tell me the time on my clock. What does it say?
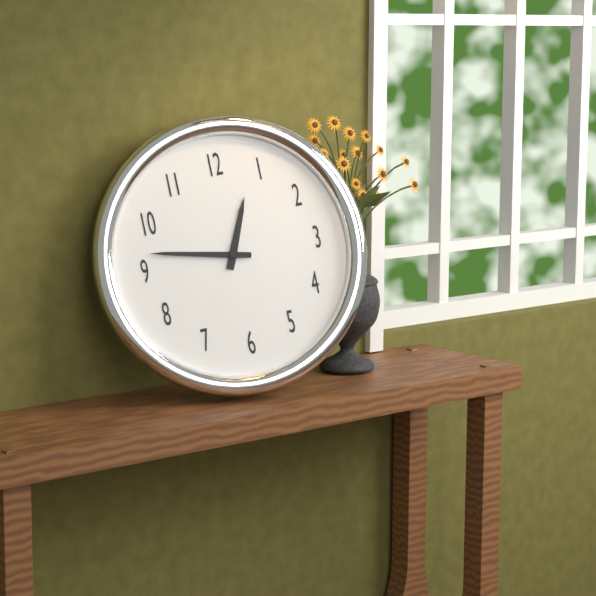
12:47
